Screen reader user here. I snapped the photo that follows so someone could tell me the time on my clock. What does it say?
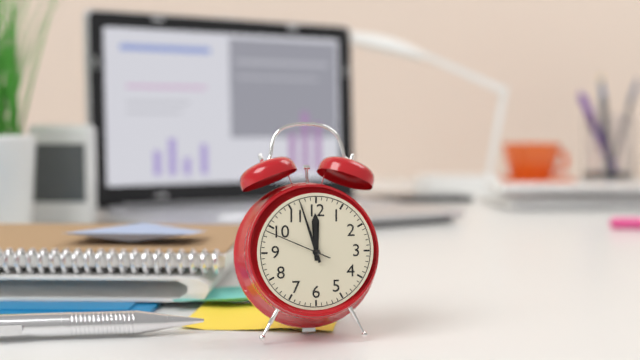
11:57:49
